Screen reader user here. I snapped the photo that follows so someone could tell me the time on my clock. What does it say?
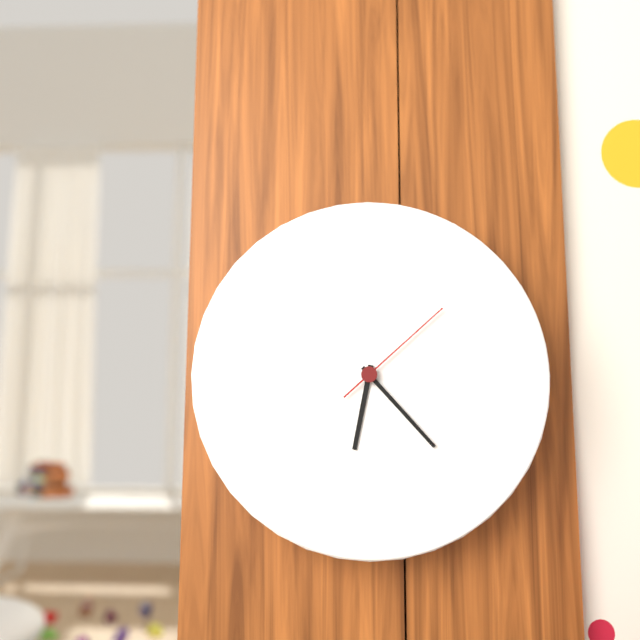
6:23:08
